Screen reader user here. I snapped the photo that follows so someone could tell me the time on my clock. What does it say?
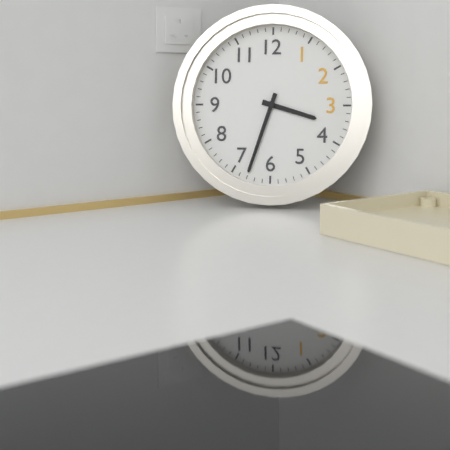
3:33
